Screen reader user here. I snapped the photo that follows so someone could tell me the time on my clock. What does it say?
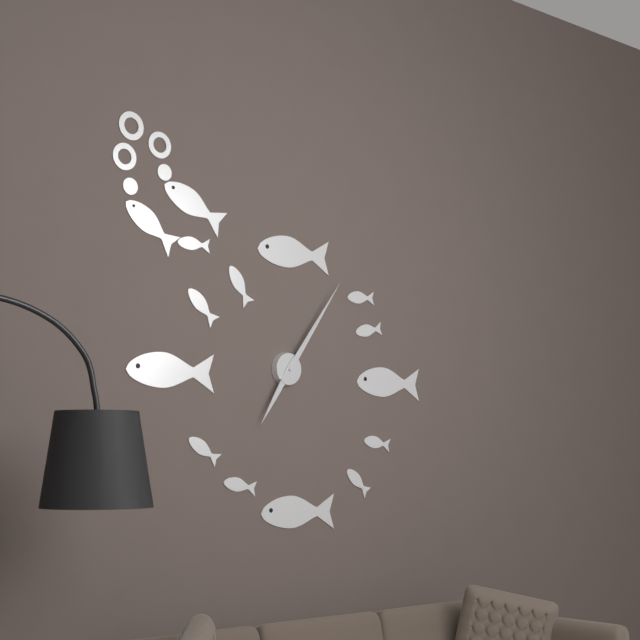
7:06
